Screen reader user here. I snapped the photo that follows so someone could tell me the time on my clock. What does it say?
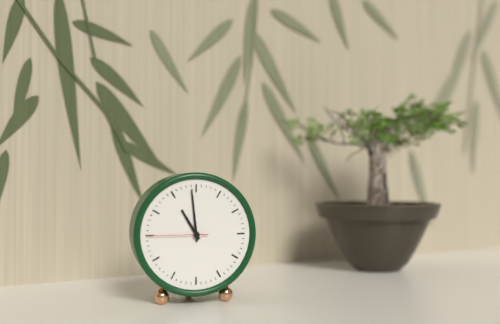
10:59:45
